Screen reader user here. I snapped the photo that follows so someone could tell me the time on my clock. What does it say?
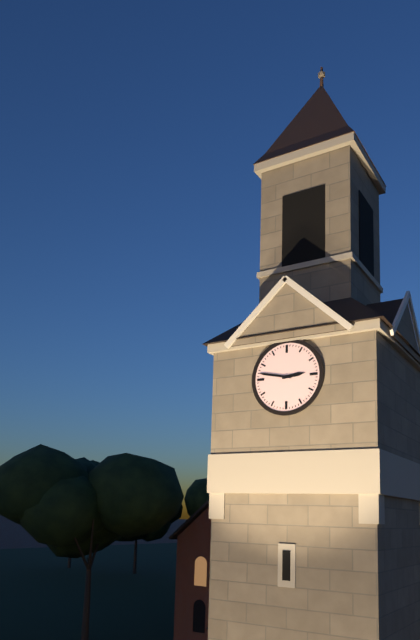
2:47
